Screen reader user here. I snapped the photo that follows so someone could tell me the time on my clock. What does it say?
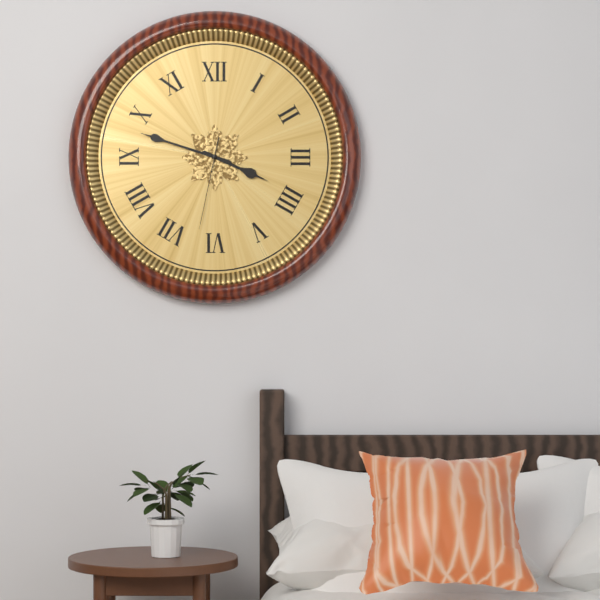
3:48:32
